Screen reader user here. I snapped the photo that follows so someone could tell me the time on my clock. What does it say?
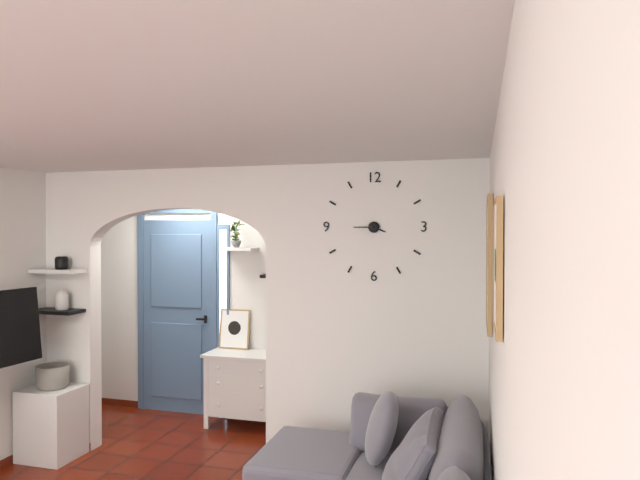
3:45
